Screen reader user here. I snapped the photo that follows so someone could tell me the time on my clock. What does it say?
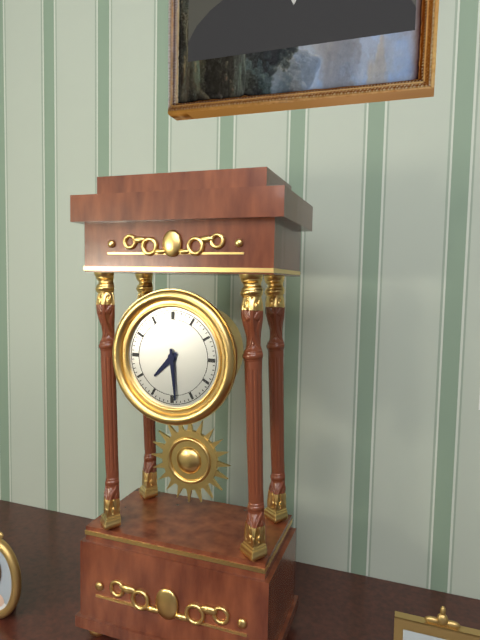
7:29
